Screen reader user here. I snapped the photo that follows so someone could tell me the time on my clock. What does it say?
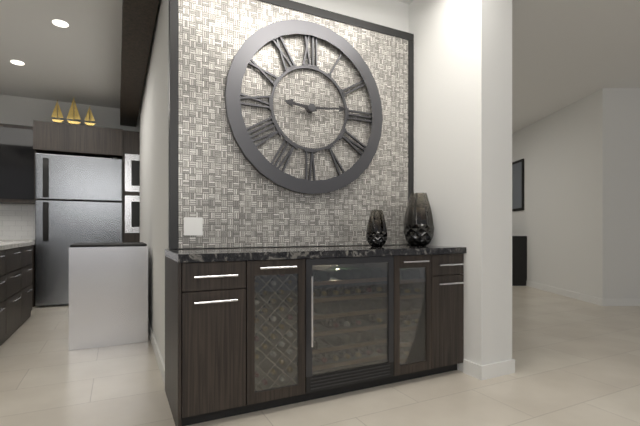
9:14
